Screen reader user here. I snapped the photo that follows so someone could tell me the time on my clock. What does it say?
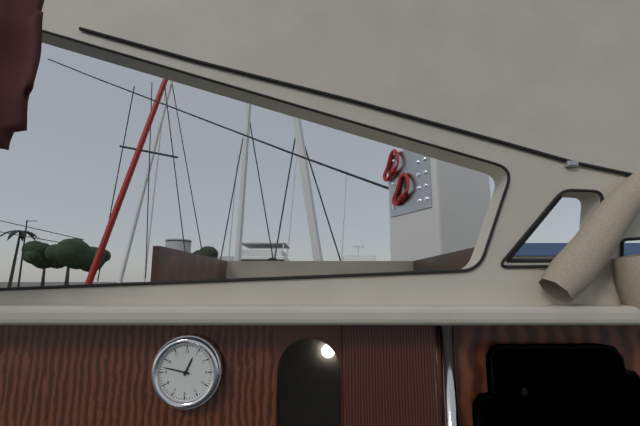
12:47
